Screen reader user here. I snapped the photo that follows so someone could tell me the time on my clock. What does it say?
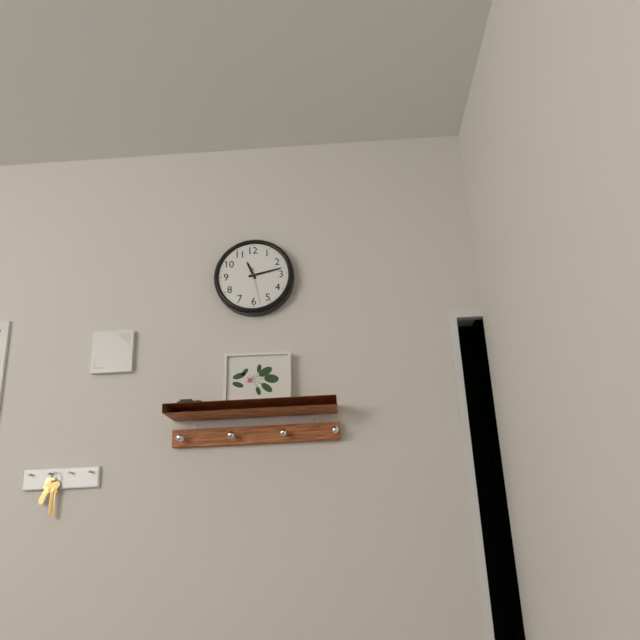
11:13
